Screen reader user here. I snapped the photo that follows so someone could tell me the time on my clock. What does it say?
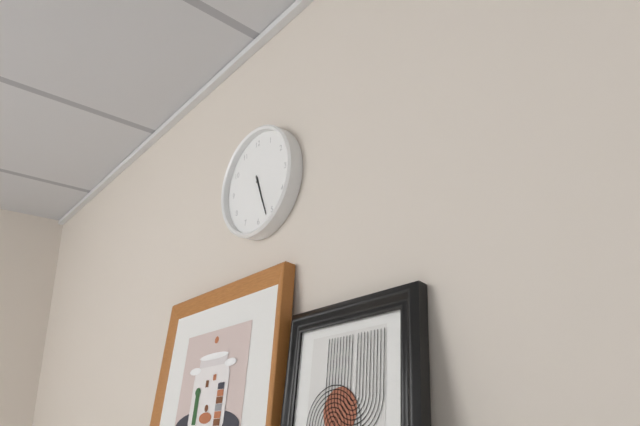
5:27
